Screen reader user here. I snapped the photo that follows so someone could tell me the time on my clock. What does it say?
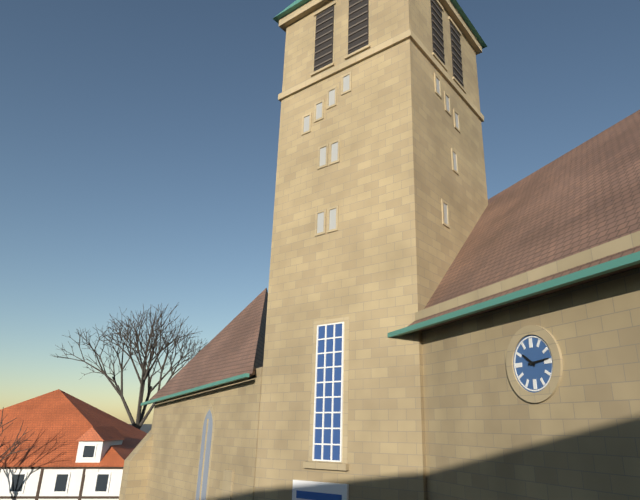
10:14
